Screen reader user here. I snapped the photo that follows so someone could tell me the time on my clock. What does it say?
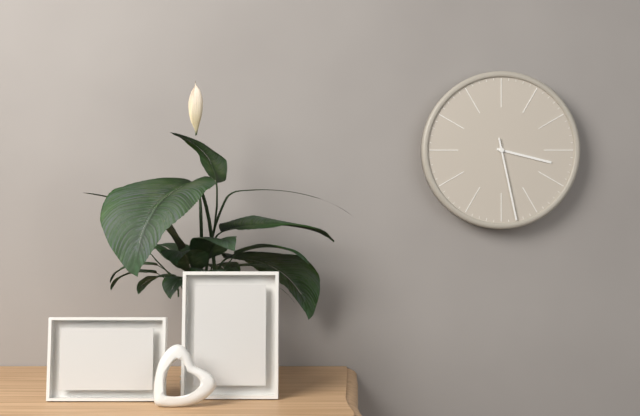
3:28
